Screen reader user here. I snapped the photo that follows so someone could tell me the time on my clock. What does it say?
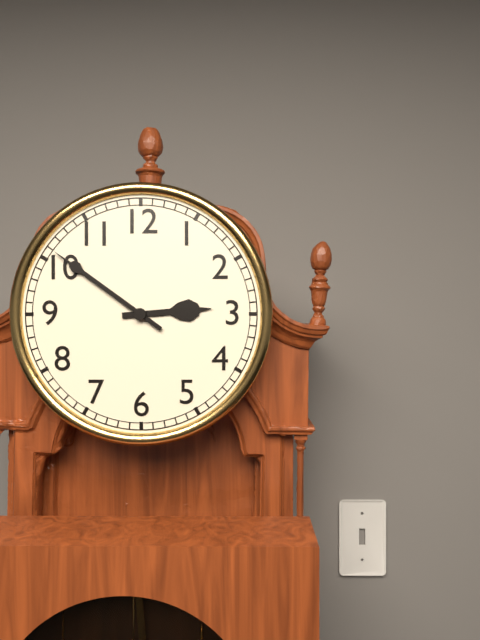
2:51
